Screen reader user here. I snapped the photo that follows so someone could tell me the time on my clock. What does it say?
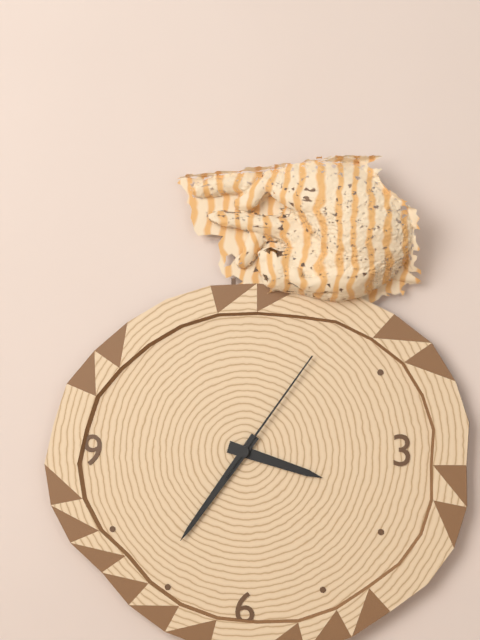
3:36:06
